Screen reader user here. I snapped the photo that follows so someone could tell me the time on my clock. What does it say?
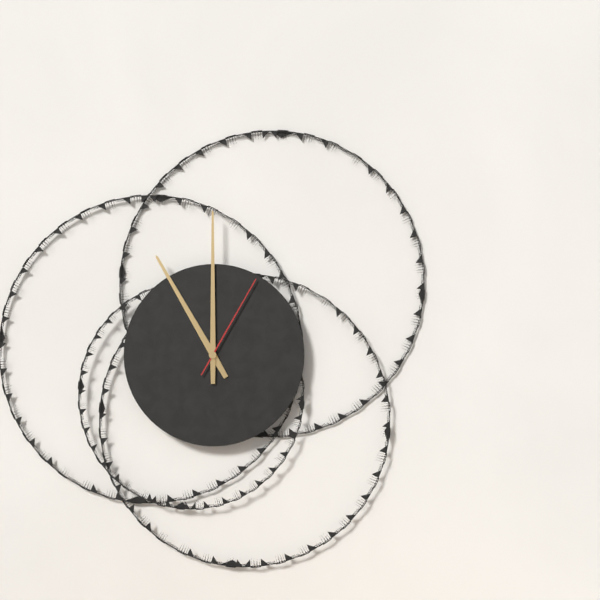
11:00:05
